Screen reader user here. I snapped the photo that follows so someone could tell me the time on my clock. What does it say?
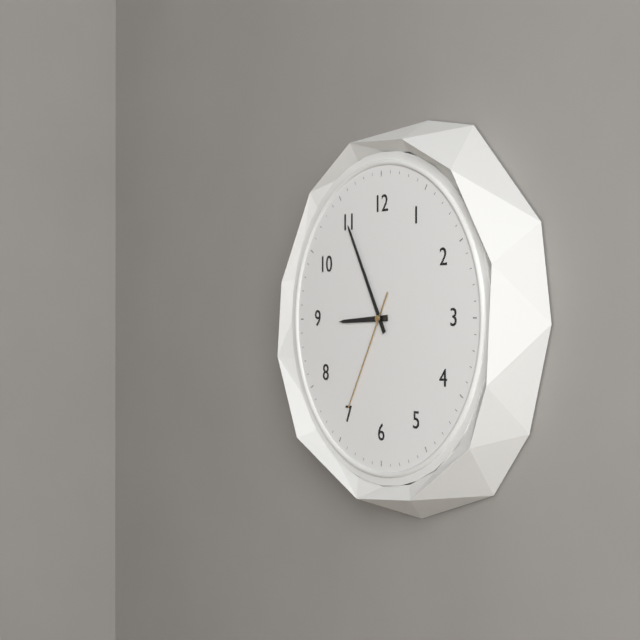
8:55:35
